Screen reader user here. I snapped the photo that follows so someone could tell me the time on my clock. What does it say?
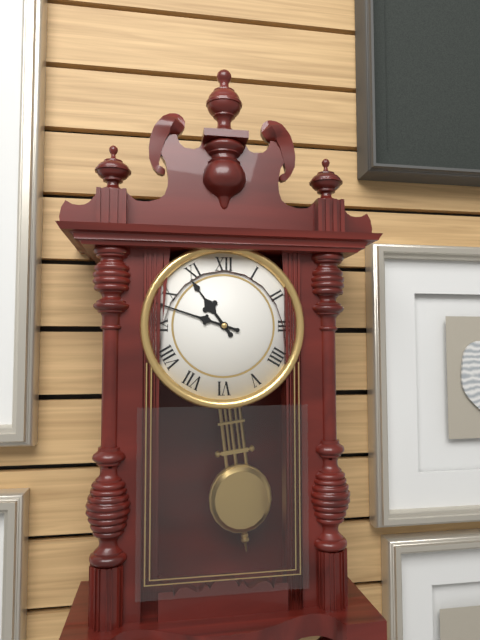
10:48
